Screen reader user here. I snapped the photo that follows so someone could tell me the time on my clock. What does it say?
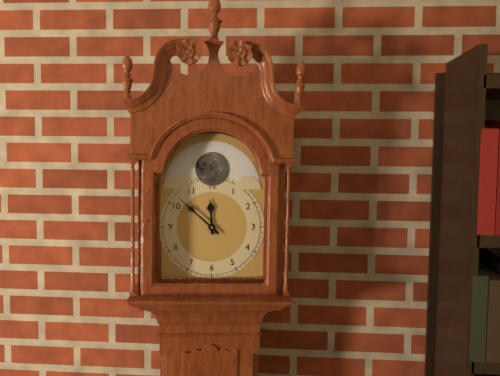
11:52
